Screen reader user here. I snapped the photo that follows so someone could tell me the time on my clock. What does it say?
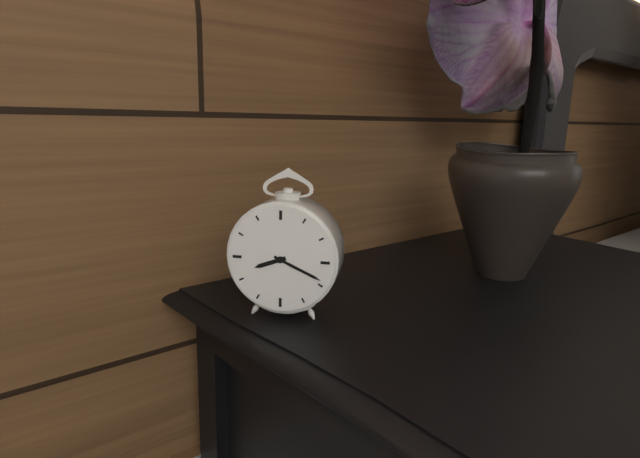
8:19
